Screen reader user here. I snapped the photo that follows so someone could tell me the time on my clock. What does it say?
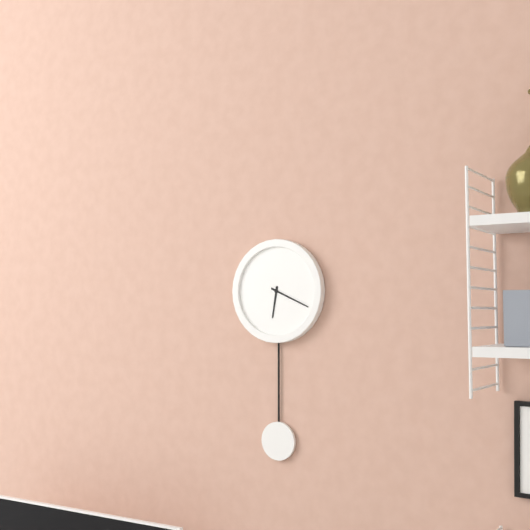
6:19
